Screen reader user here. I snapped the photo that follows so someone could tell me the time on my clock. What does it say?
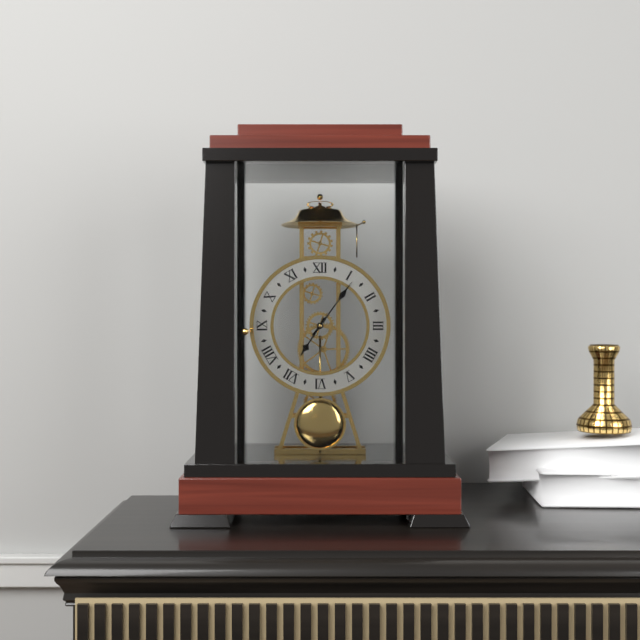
7:06
